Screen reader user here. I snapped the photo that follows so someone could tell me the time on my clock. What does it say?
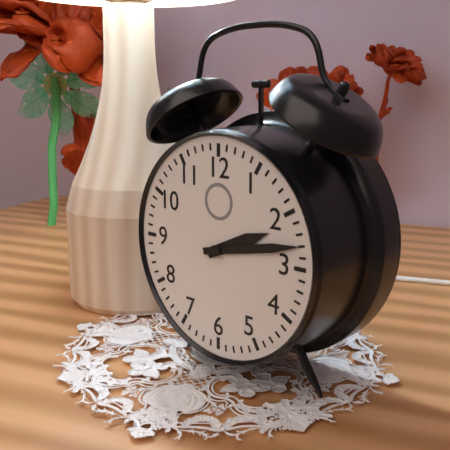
2:13
